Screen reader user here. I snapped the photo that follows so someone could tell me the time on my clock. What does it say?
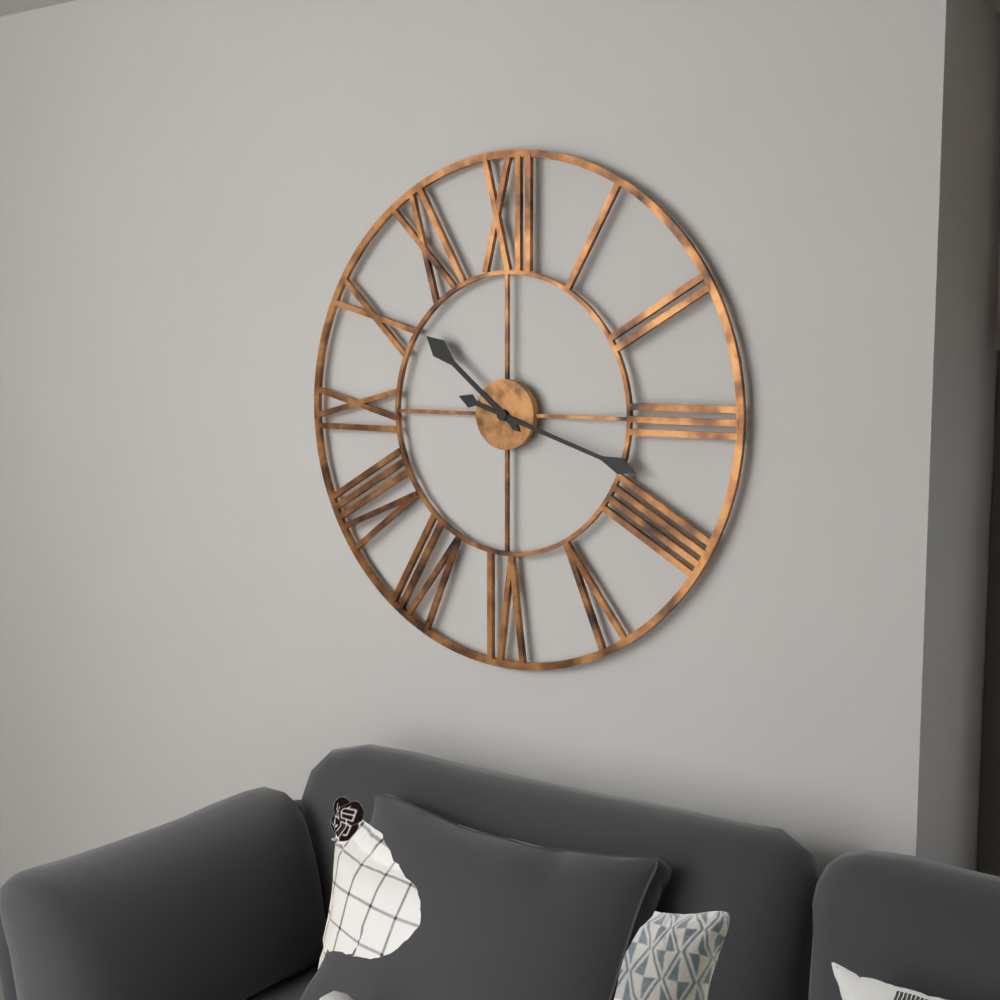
10:18
